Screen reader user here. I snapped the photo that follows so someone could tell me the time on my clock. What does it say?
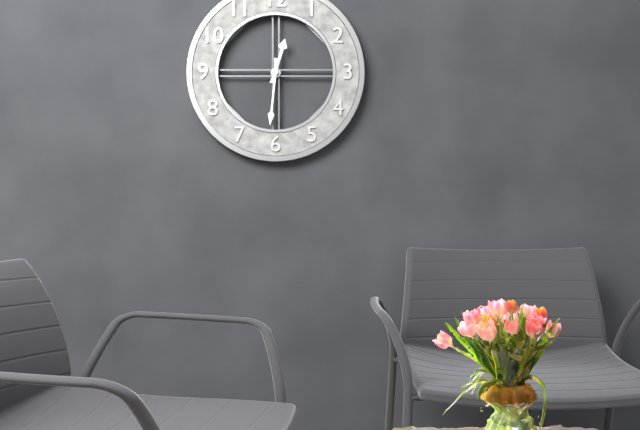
12:31
